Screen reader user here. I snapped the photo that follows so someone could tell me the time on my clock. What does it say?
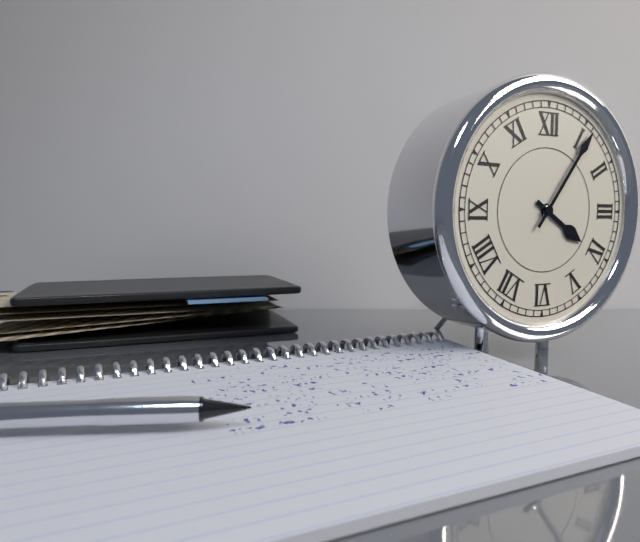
4:06
